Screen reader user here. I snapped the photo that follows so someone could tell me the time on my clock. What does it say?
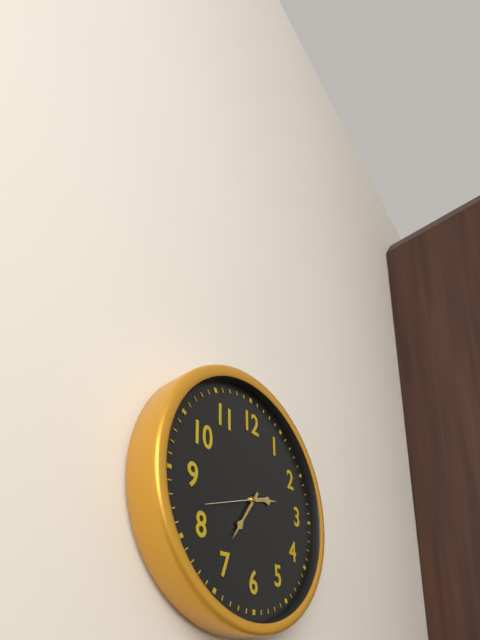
2:36
